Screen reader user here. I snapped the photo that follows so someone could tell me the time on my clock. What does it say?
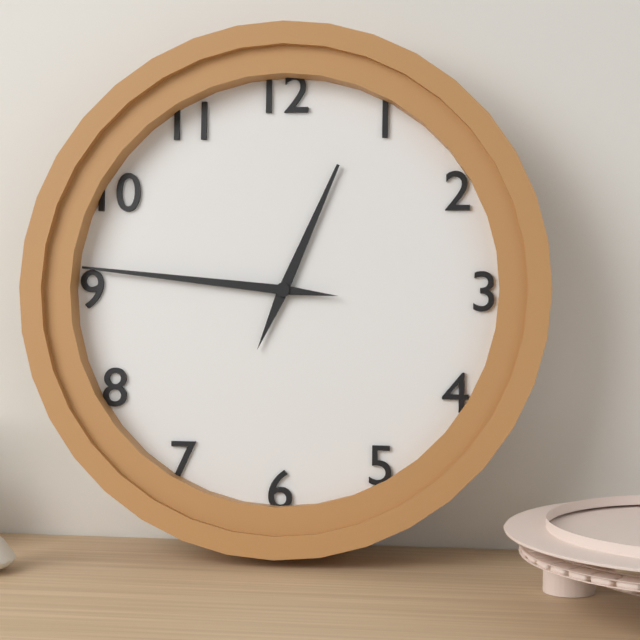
12:46
